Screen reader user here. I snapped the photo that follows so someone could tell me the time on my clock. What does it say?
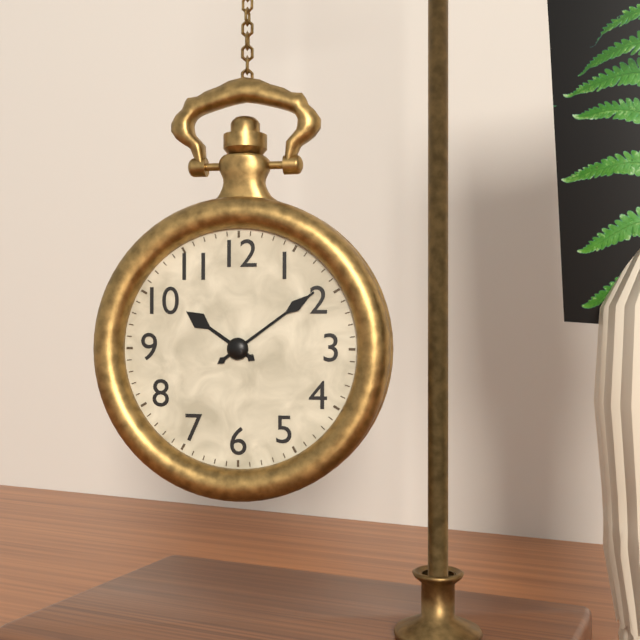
10:09
